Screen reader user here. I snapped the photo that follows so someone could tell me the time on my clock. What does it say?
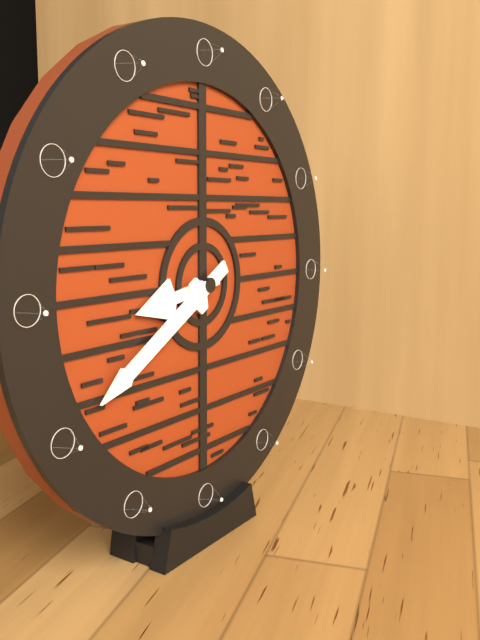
8:40
